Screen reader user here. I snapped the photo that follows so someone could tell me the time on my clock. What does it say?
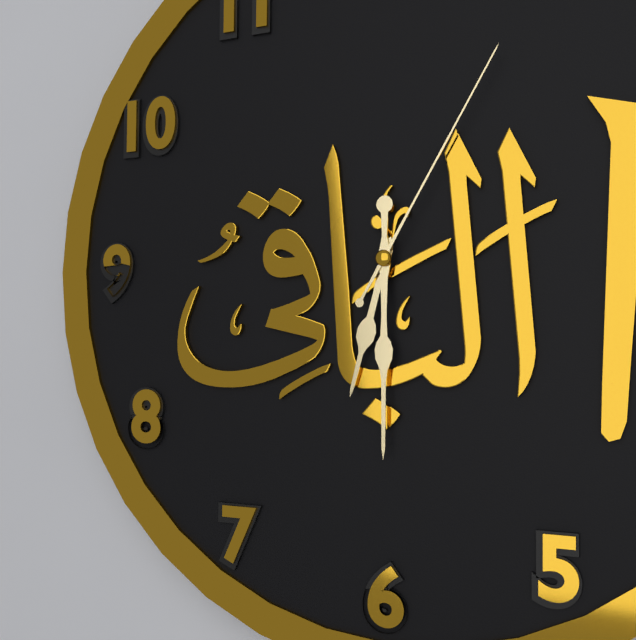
6:30:05
